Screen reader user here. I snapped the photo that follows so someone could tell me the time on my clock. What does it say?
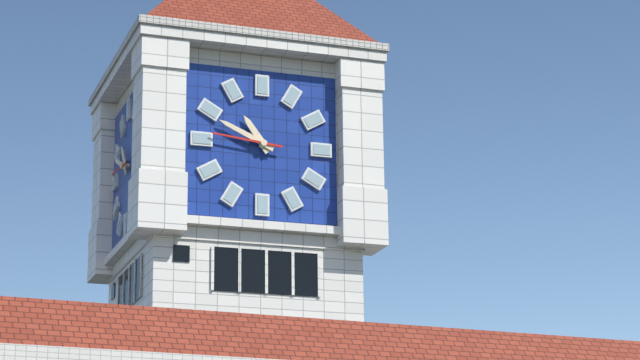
10:49:46
